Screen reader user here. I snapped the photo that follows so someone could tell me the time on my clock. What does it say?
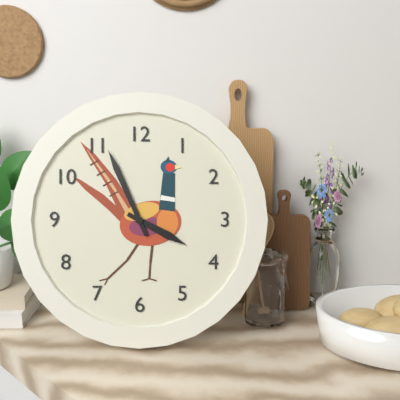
3:56
